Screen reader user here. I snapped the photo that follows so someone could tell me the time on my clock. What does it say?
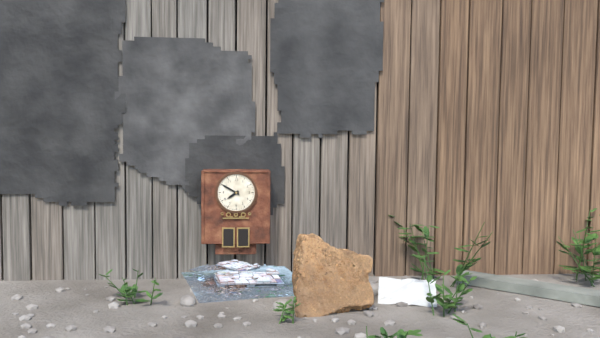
7:50
